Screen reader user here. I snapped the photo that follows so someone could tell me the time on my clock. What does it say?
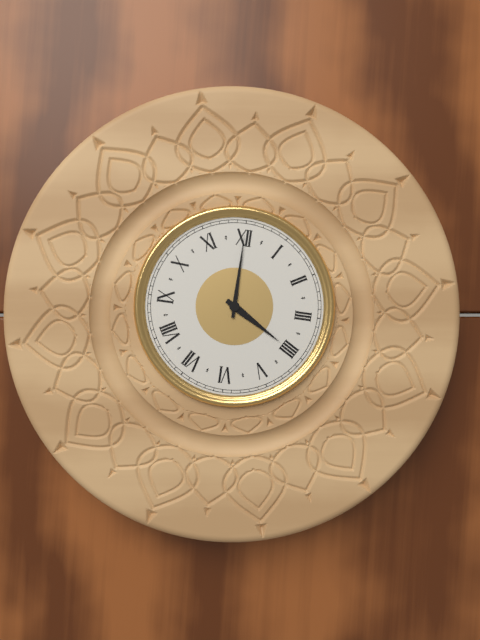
4:00
